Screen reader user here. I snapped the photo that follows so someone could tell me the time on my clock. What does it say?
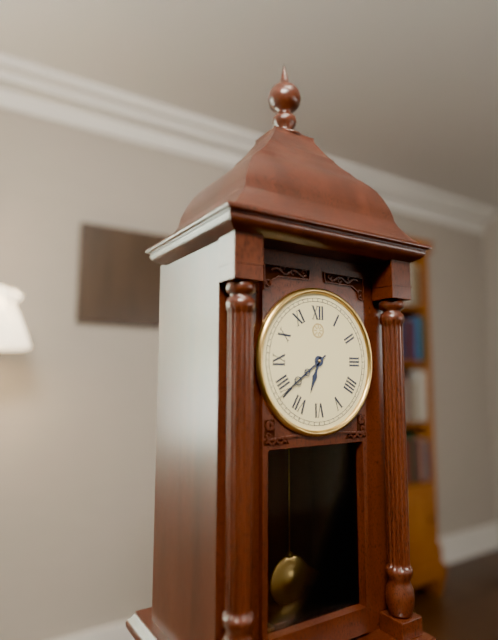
6:39
